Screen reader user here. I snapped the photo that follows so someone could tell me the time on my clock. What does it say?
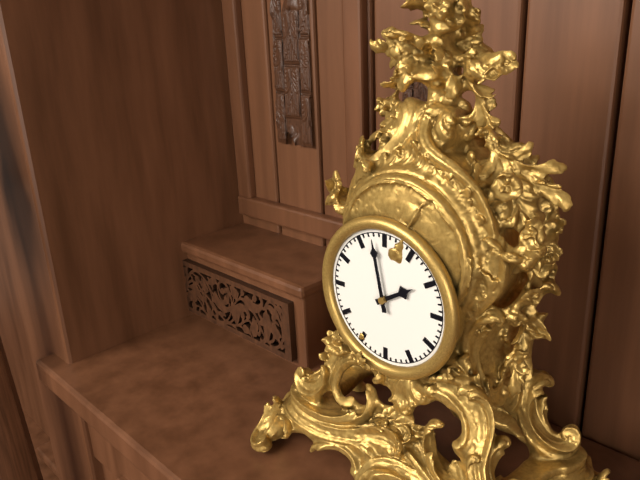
1:58
